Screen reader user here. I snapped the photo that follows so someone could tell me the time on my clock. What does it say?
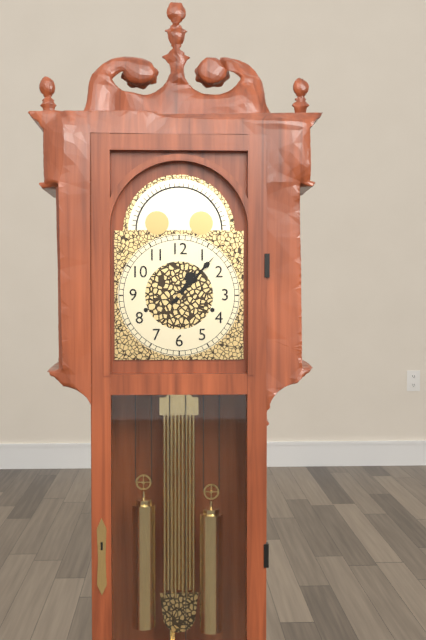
1:07
